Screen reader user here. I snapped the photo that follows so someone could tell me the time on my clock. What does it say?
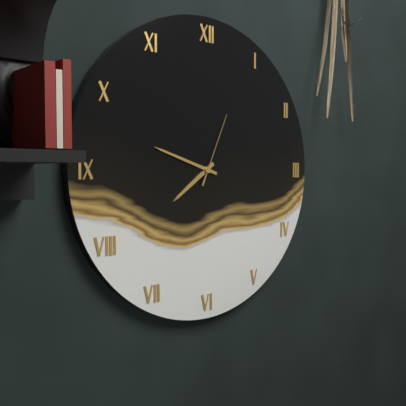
7:48:04
